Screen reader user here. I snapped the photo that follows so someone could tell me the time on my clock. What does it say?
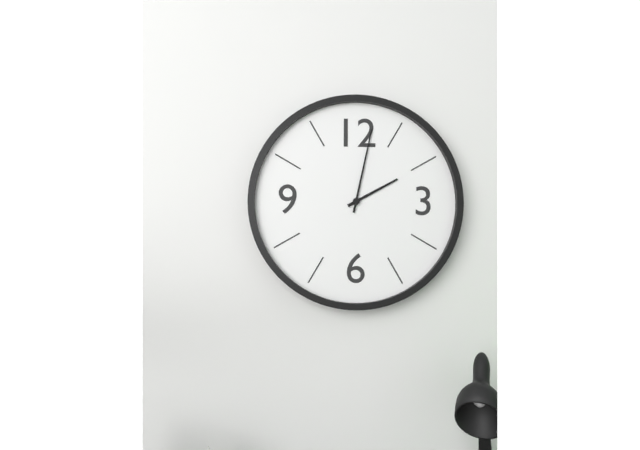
2:02
